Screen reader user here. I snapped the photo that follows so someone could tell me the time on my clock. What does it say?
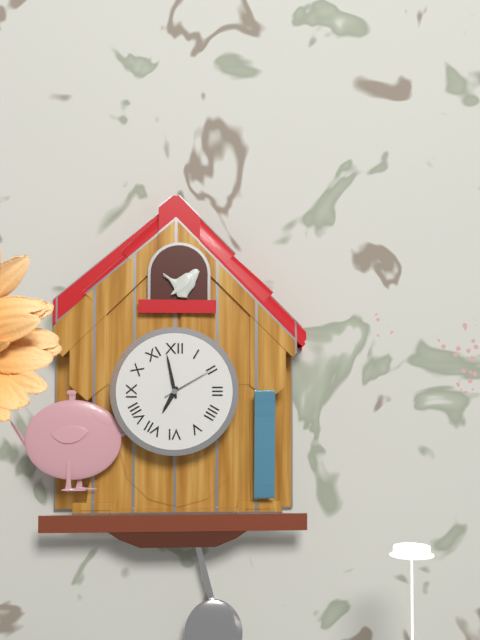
6:58:10
